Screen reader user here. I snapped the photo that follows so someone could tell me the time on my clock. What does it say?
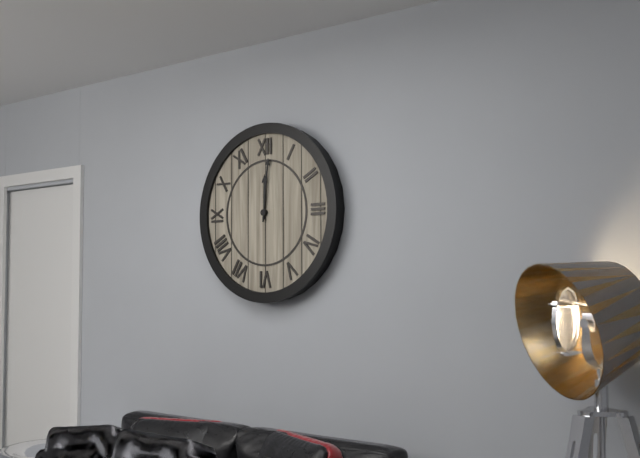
12:01
